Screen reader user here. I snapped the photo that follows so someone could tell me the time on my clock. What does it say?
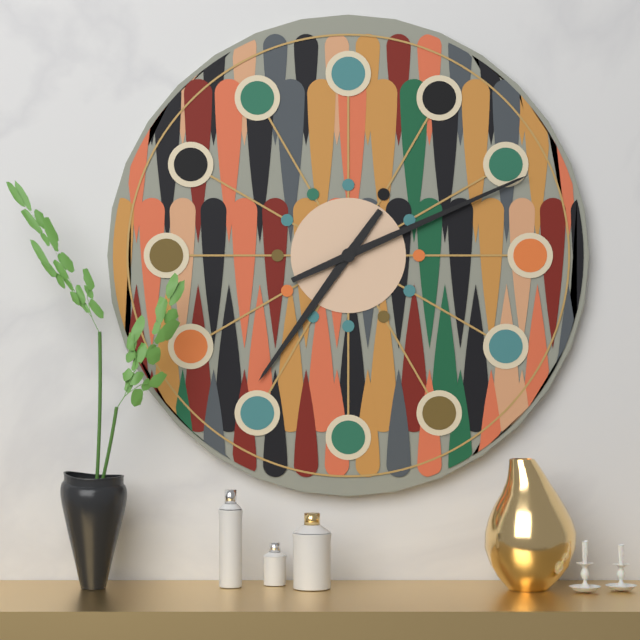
7:11
